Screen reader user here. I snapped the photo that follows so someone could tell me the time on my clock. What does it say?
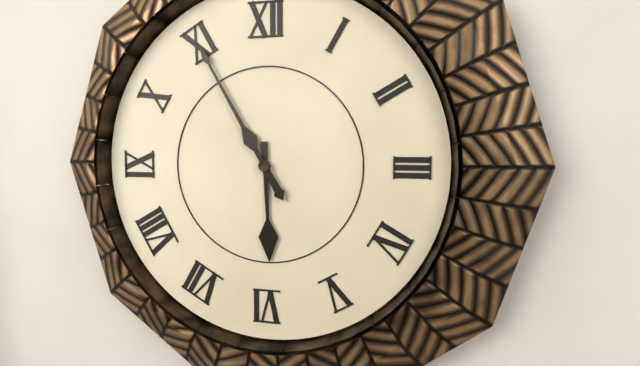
5:55
